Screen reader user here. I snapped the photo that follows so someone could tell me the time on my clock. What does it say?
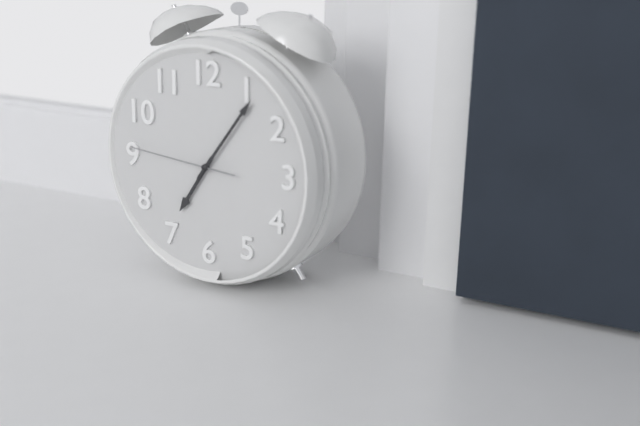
7:06:46
